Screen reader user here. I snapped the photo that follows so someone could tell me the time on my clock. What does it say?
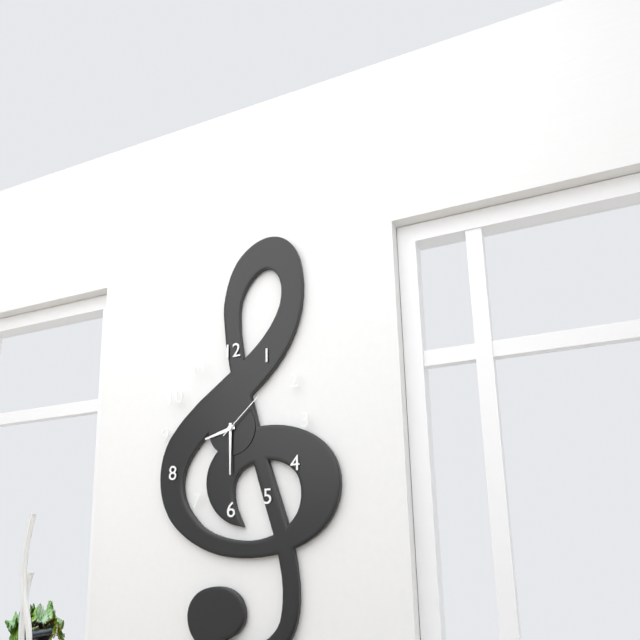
8:30:08
